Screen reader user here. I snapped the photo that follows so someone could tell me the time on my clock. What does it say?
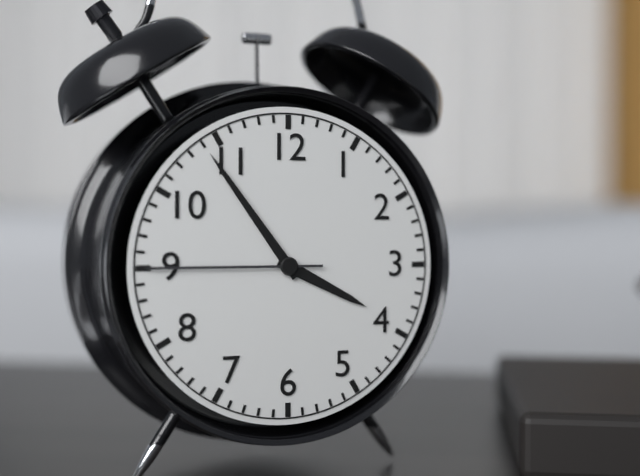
3:54:45
